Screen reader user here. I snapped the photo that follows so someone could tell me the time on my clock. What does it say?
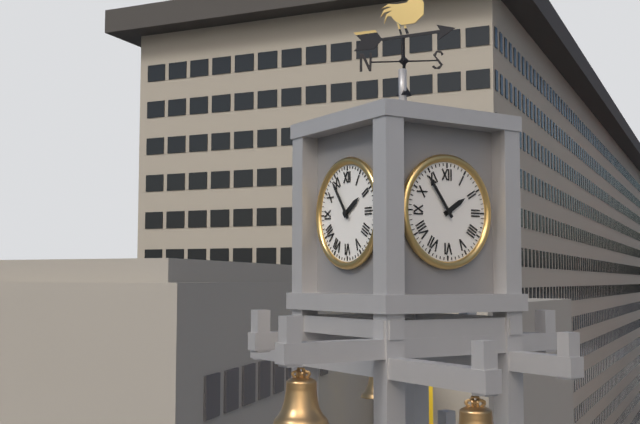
1:54
